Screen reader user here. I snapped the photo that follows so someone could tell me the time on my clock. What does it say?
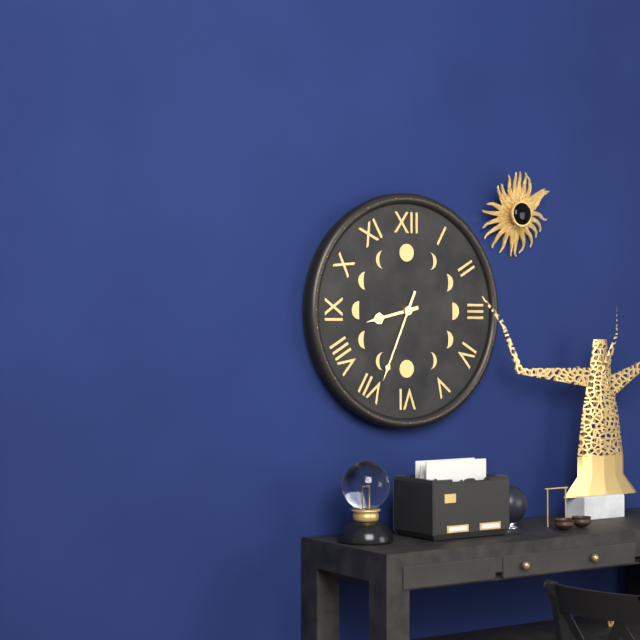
8:34
